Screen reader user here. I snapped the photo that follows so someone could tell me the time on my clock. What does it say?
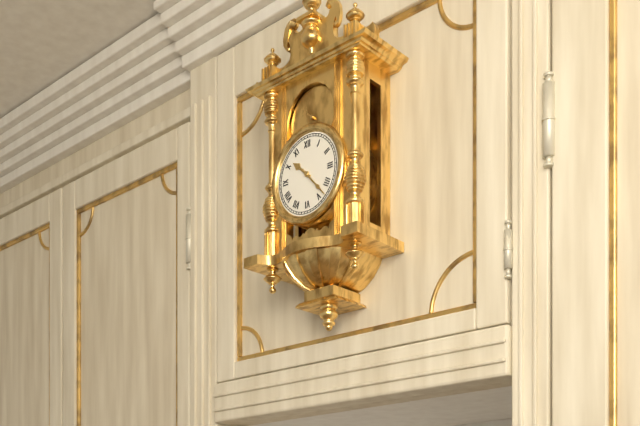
10:23
